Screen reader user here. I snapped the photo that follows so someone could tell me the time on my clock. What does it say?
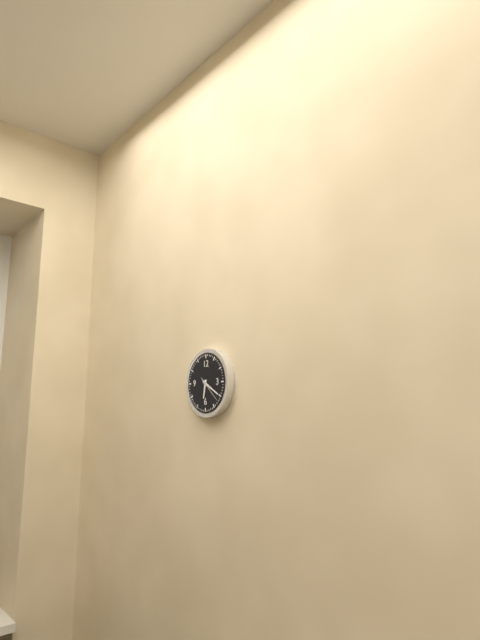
6:20
